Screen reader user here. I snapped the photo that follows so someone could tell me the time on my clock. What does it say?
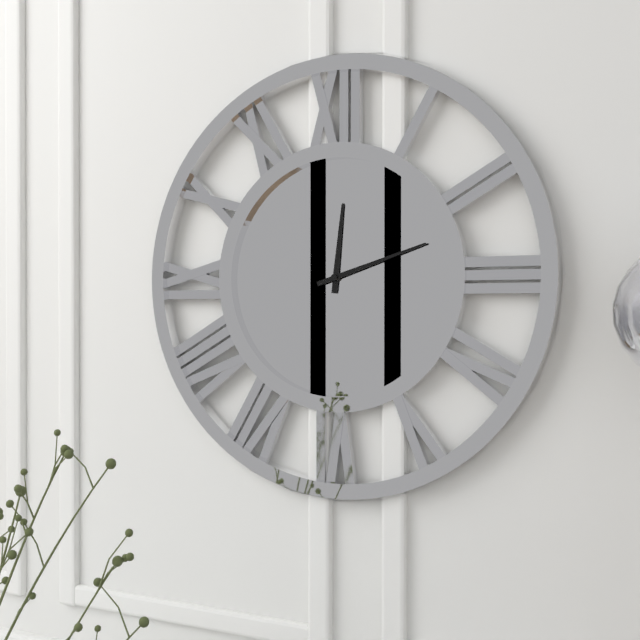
12:12
